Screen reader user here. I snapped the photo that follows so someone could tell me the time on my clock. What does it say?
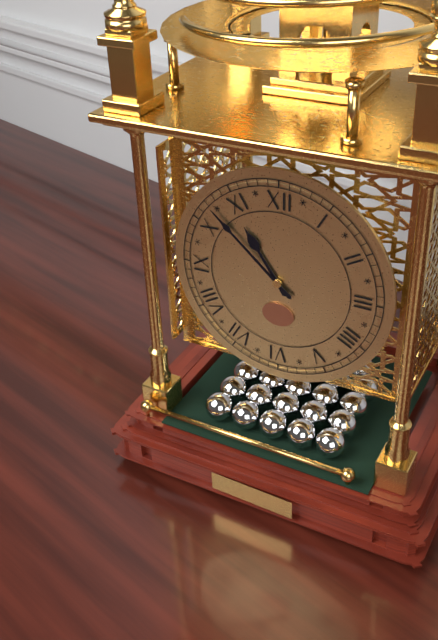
10:52
